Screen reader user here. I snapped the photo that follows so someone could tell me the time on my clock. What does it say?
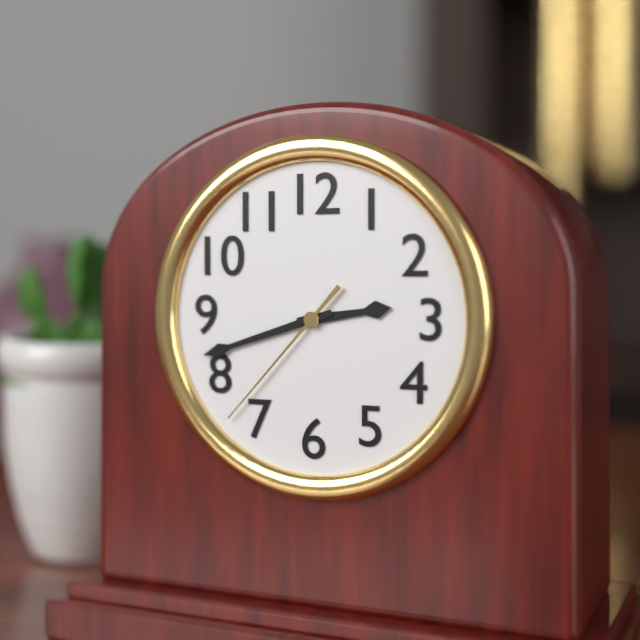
2:42:37
